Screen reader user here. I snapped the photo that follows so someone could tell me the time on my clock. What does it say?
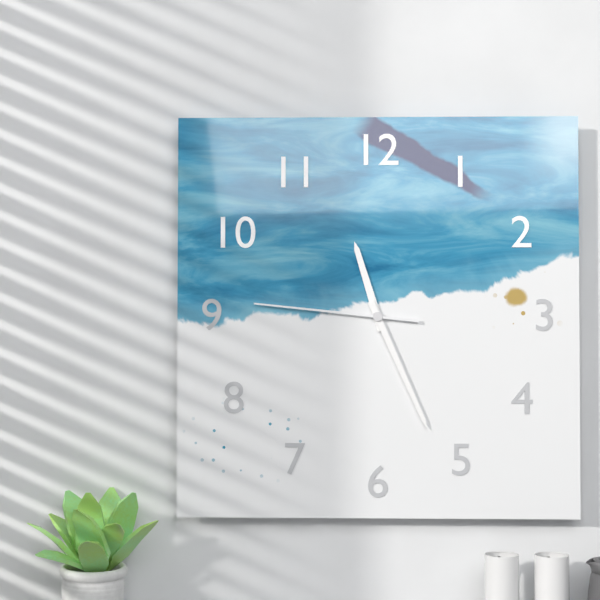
11:26:46
